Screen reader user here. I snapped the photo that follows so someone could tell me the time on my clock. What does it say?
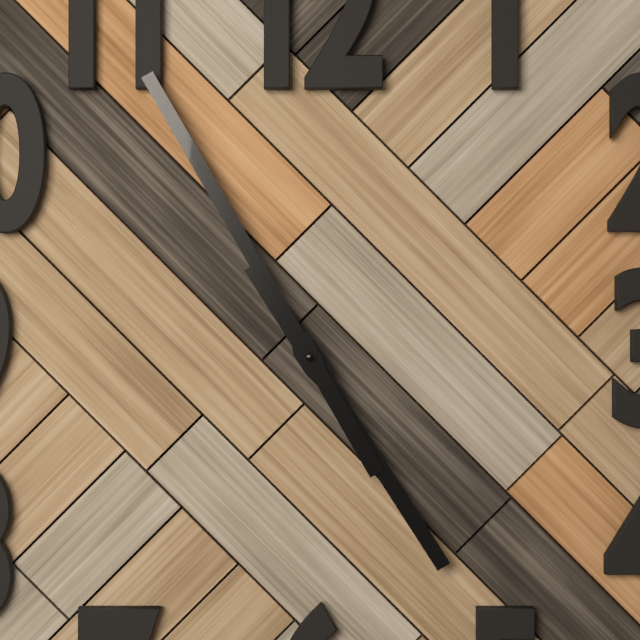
4:55
